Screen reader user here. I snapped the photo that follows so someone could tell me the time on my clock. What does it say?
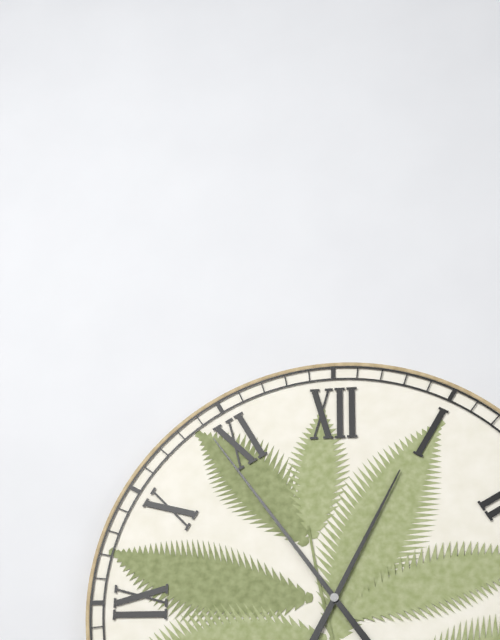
12:54
